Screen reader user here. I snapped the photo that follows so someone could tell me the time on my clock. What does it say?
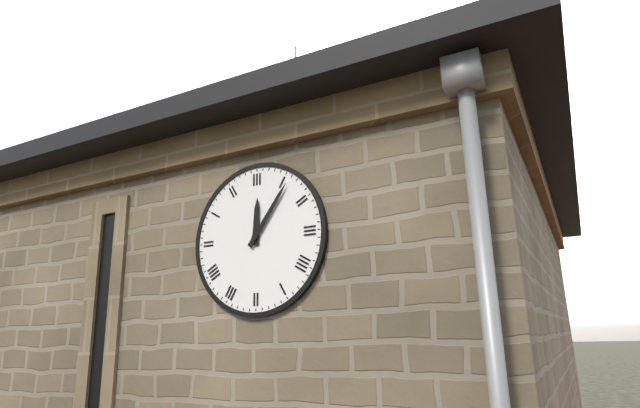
12:06
